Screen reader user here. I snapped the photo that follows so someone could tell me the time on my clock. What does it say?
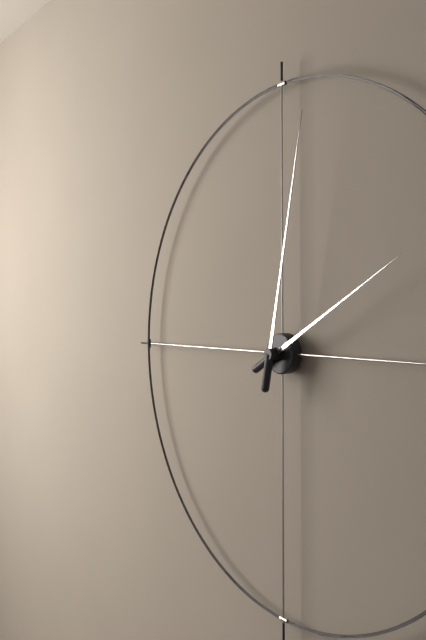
2:02
